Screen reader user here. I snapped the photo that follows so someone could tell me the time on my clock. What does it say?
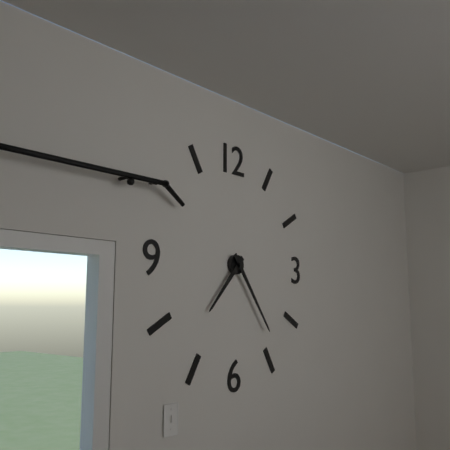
7:24
